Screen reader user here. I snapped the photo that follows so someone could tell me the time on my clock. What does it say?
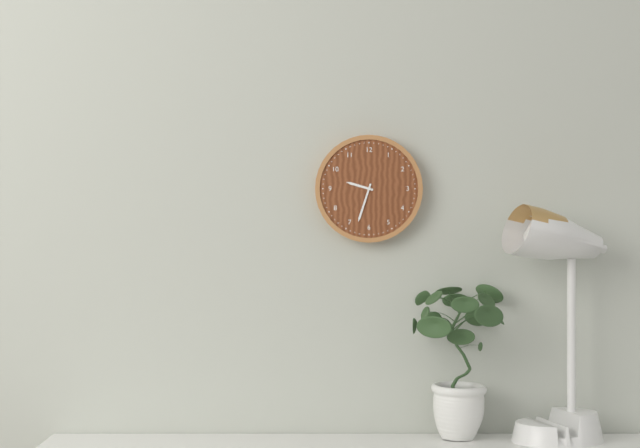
9:33
